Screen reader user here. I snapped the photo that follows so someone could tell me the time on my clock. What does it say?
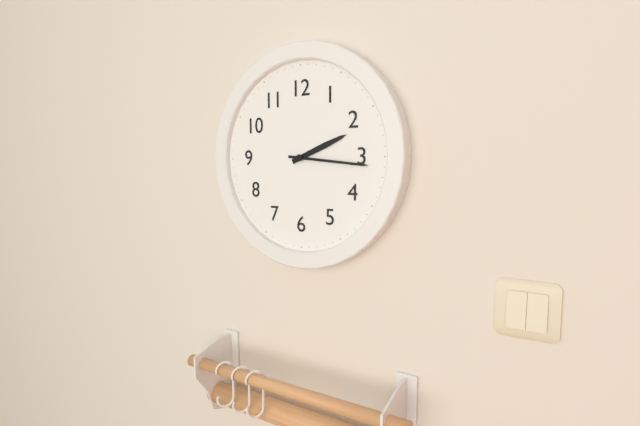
2:16
